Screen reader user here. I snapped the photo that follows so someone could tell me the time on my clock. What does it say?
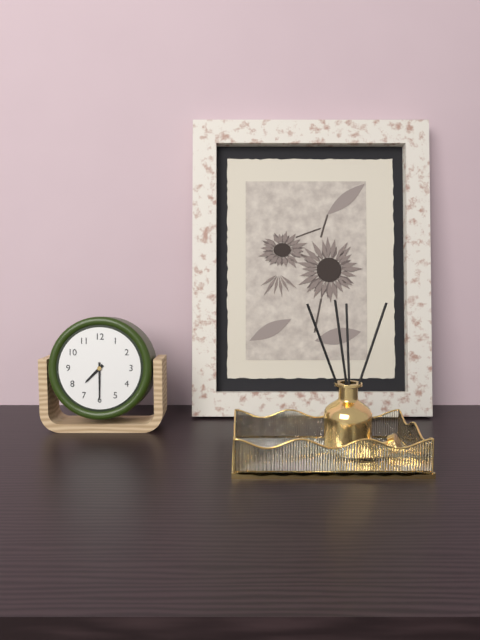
7:30
